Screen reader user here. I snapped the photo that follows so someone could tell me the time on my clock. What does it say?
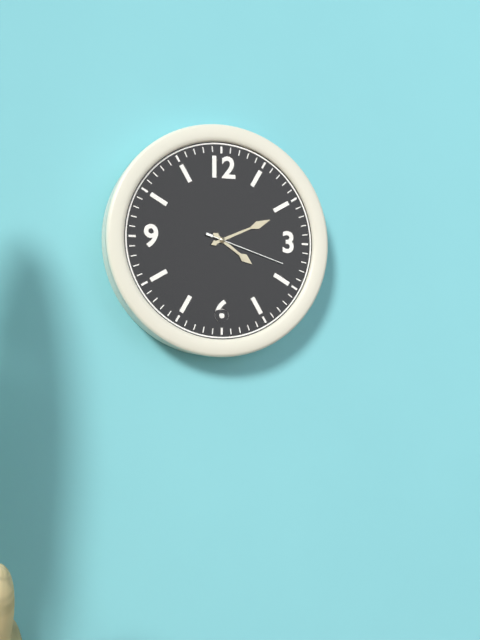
4:11:18
